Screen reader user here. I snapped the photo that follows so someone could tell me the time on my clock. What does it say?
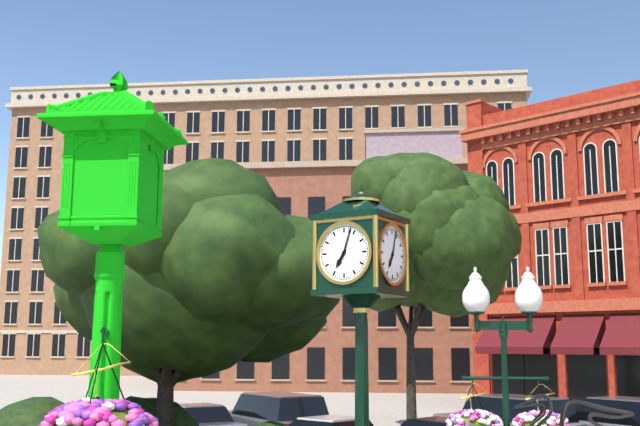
7:03
